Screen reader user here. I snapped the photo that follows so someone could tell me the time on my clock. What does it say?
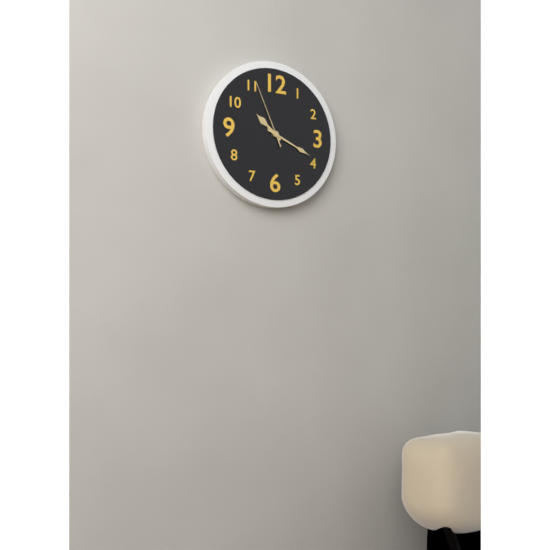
10:19:56
